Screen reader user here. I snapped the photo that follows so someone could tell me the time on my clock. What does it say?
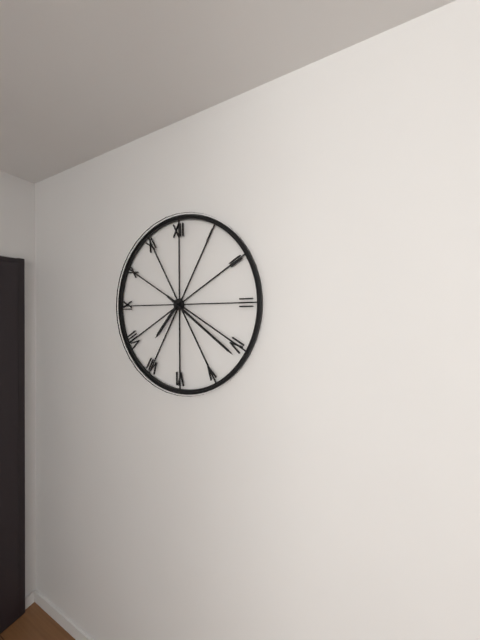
7:21
